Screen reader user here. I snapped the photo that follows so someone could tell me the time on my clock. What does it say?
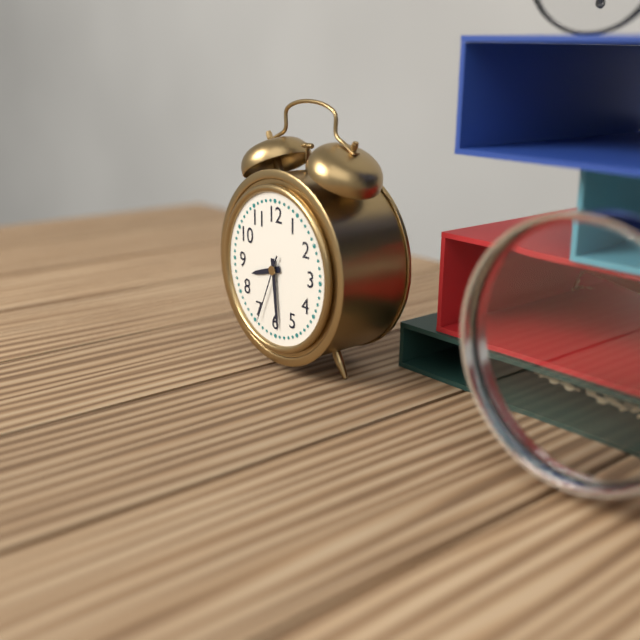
8:29:34
